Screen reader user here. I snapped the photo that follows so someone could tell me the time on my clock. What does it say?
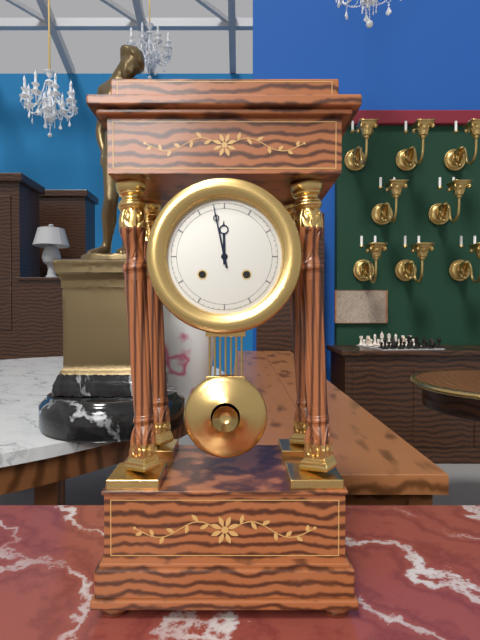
11:58
